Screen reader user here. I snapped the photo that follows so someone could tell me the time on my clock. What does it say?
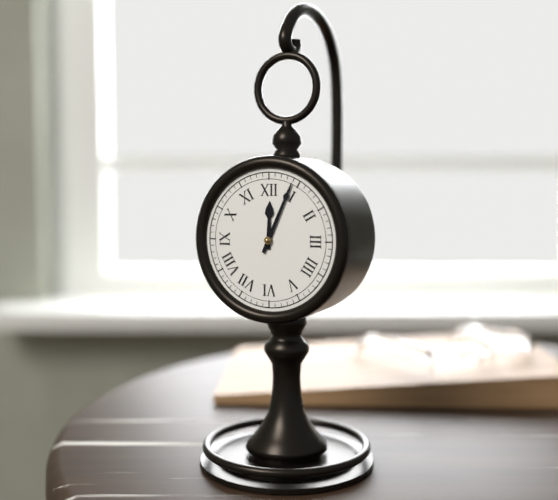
12:04
